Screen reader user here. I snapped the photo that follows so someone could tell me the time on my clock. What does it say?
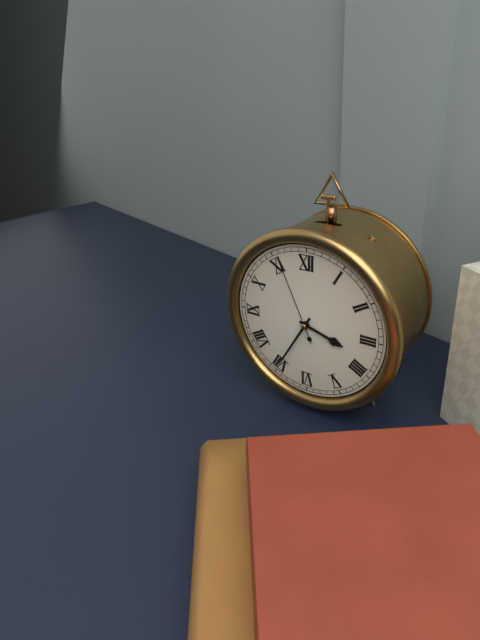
3:35:56
